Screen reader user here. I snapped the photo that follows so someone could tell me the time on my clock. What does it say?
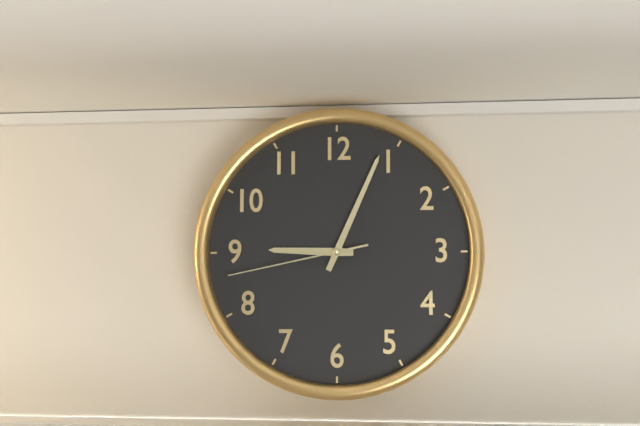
9:04:43
